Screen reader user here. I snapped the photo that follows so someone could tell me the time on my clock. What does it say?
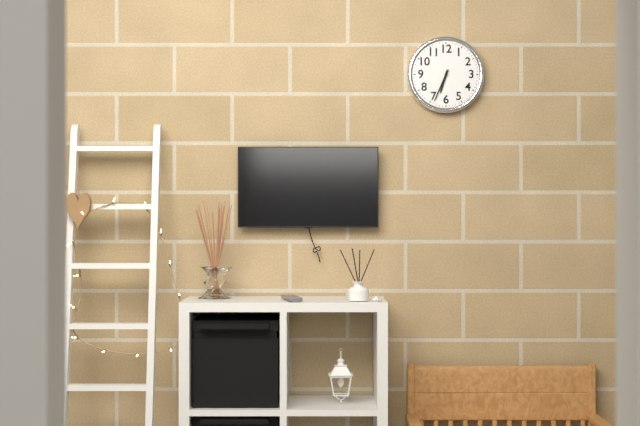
6:34
